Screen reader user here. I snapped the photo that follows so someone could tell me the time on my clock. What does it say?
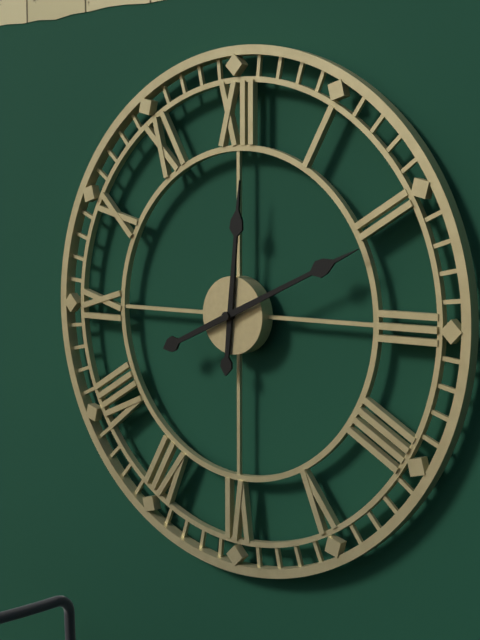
12:11
